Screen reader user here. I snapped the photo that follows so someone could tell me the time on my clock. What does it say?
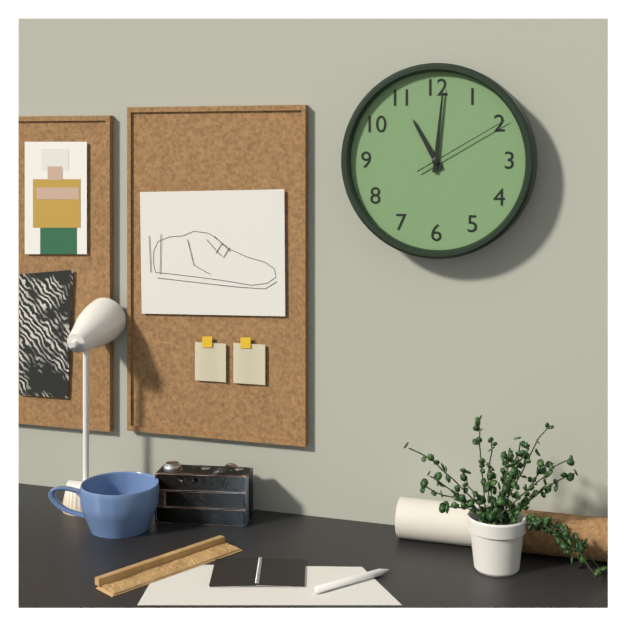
11:01:10
